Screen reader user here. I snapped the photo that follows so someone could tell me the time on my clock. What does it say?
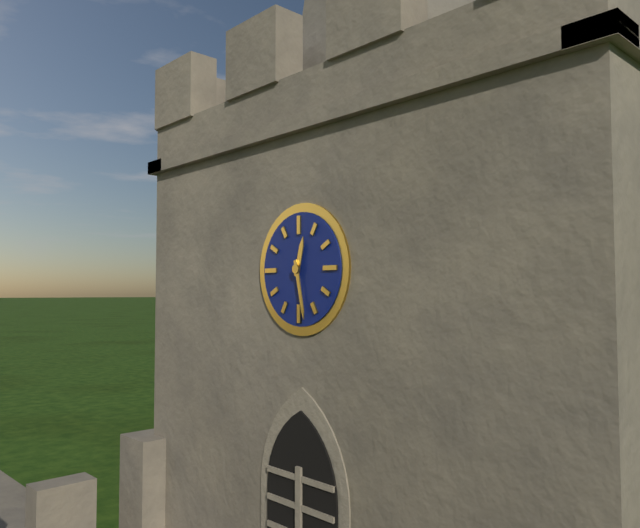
12:28
